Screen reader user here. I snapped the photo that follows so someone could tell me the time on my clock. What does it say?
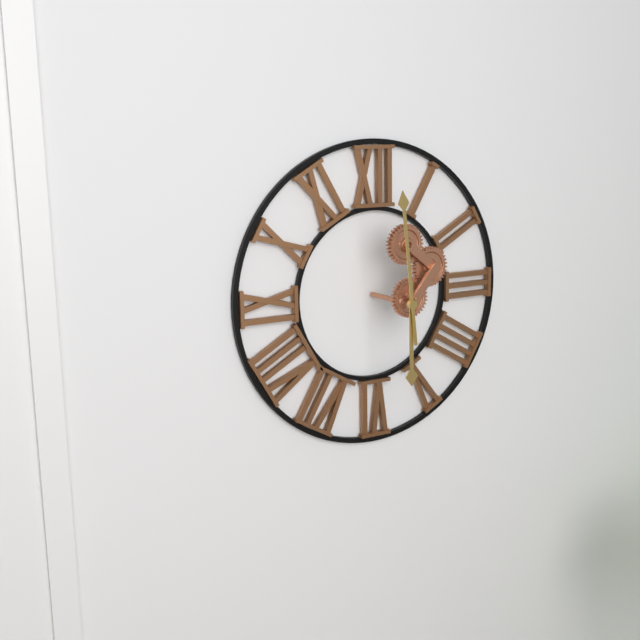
5:59
